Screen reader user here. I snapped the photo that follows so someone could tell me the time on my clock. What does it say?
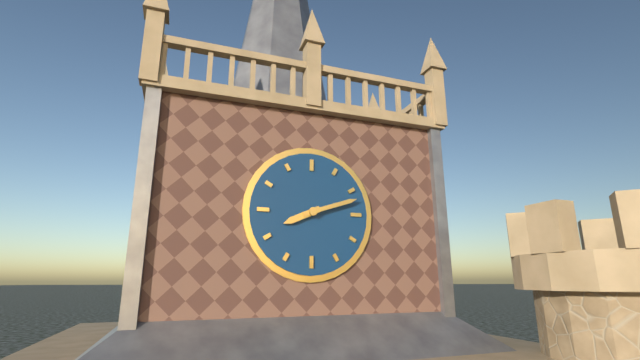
8:12
